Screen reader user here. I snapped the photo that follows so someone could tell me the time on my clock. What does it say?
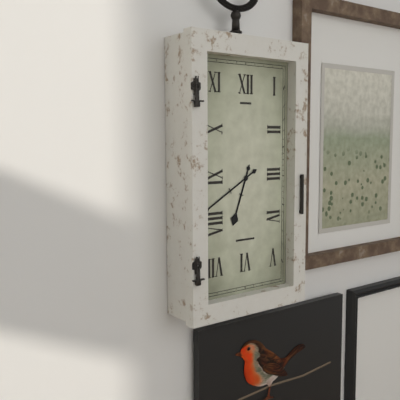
6:40
